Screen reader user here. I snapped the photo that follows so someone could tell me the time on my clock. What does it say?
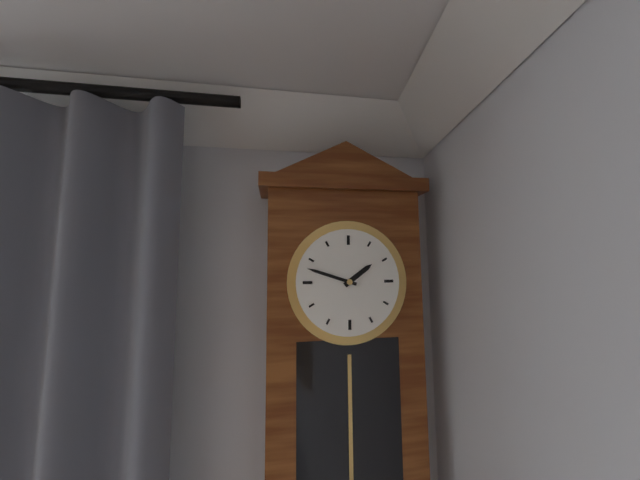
1:48
